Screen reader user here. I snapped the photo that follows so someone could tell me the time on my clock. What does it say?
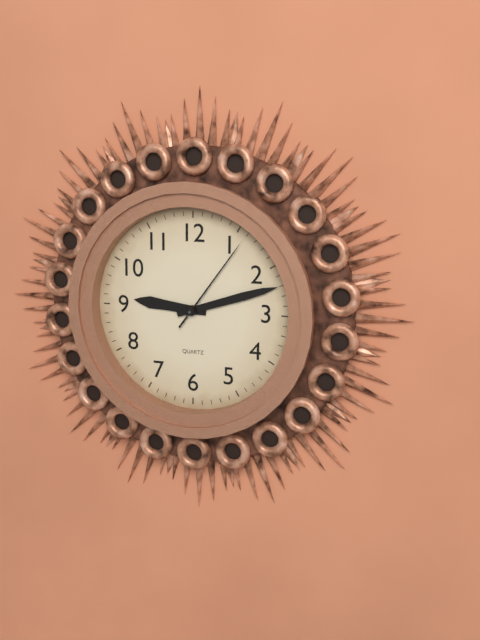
9:12:06
